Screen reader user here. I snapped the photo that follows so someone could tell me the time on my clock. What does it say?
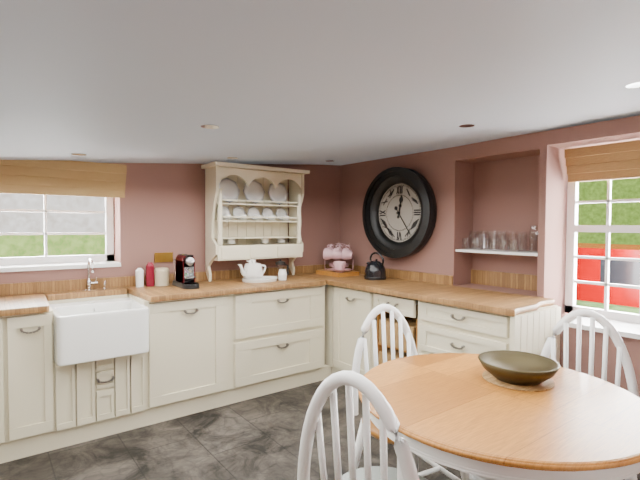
12:24
